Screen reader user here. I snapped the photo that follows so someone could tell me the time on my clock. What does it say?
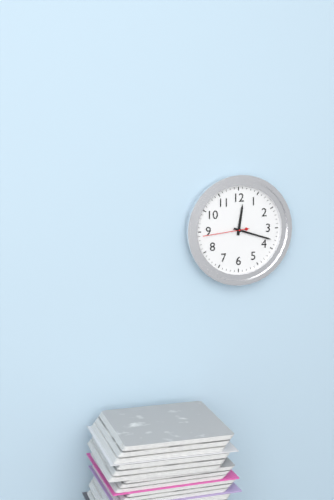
12:18
